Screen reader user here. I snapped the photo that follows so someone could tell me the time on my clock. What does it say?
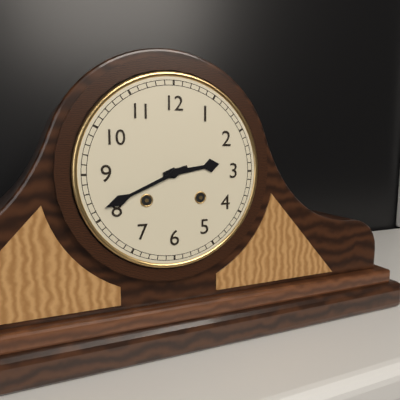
2:41
